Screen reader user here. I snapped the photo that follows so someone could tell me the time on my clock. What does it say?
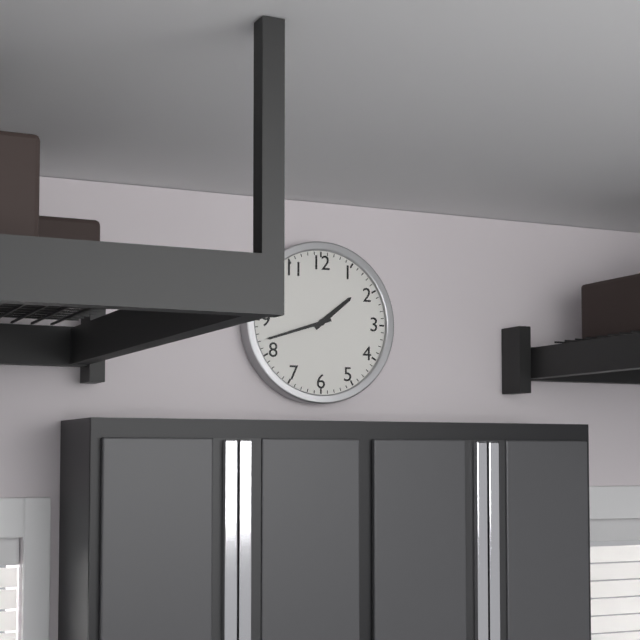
1:42
